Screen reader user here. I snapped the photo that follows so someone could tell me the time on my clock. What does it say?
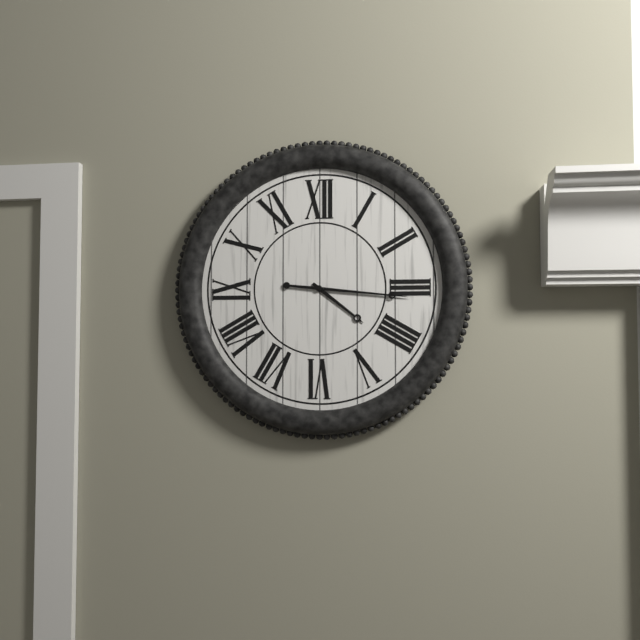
4:16
